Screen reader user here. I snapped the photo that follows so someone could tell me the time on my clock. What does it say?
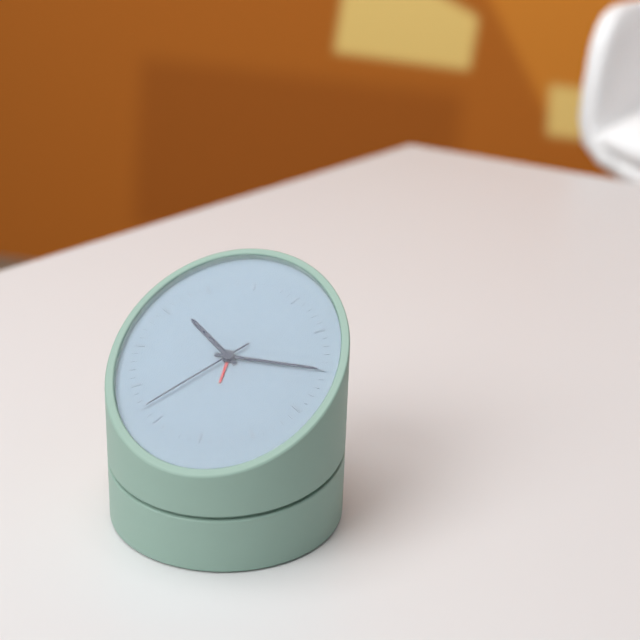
10:15:37
